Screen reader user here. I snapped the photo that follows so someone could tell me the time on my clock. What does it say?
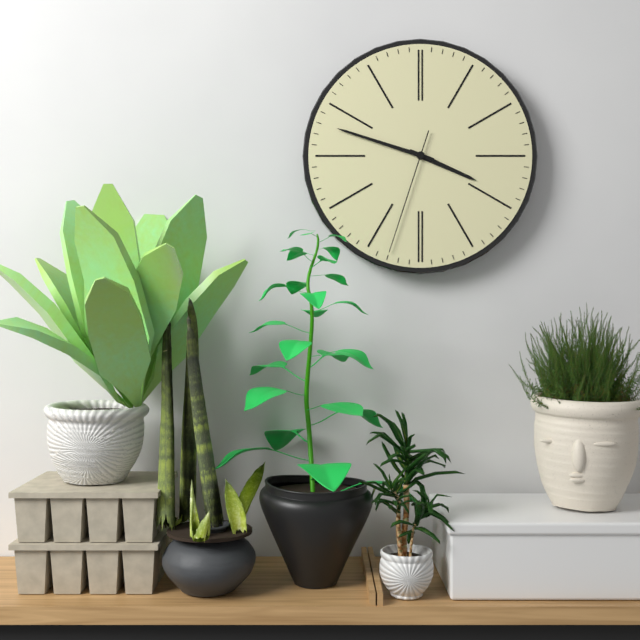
3:48:33
